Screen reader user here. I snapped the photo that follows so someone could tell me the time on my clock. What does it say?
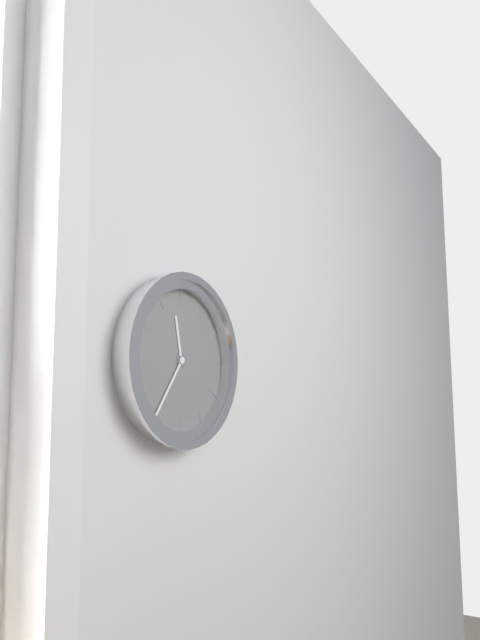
11:36
